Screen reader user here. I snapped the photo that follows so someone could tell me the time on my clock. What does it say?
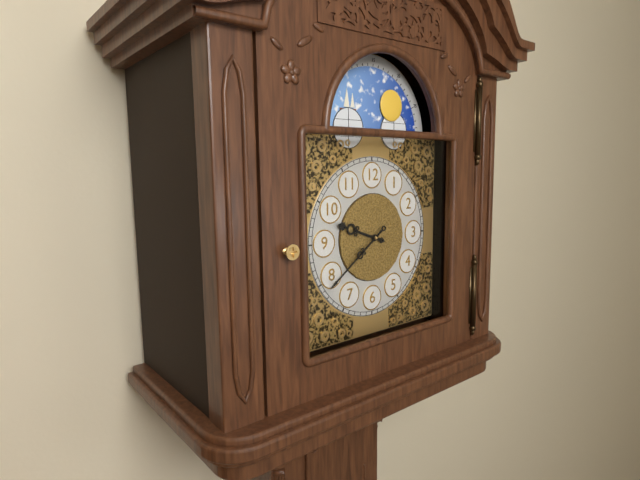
9:39
